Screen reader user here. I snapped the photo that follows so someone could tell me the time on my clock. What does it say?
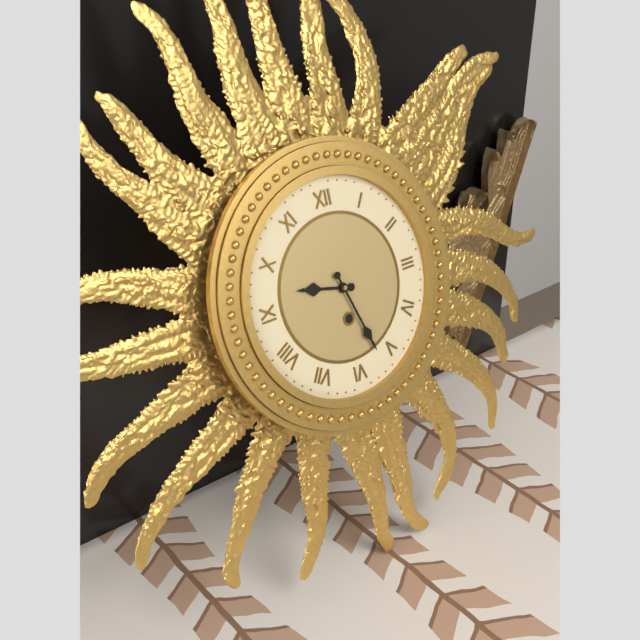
9:27
